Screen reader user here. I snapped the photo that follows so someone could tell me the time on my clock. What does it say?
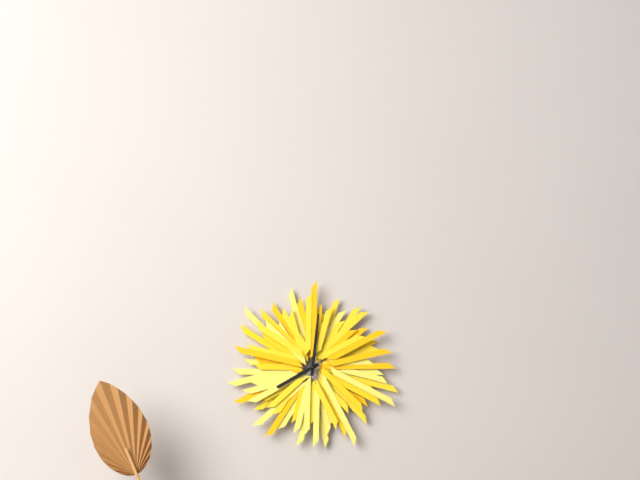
8:01
